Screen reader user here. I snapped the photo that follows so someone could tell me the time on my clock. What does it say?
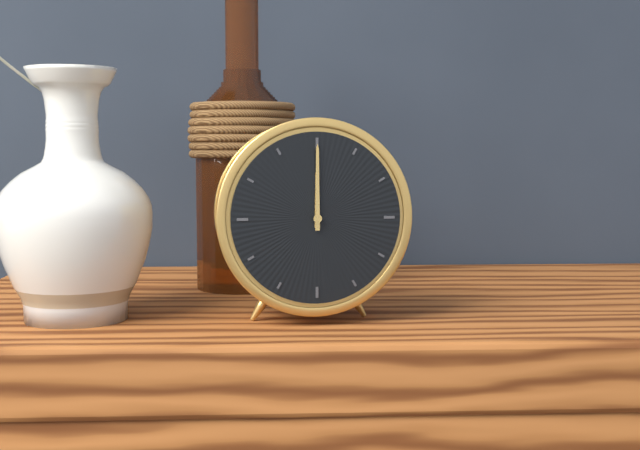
12:00
